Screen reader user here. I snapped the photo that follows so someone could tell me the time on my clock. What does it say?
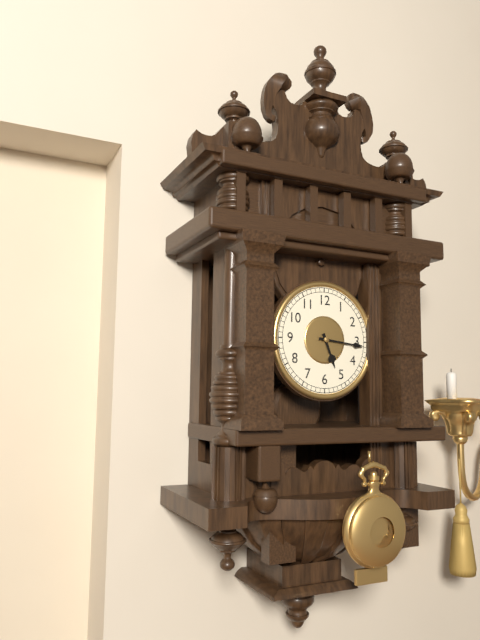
5:16
